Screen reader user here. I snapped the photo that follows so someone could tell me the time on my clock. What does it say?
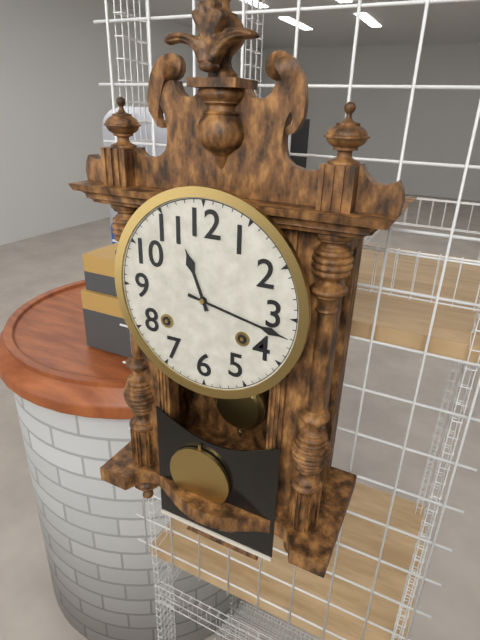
11:17
